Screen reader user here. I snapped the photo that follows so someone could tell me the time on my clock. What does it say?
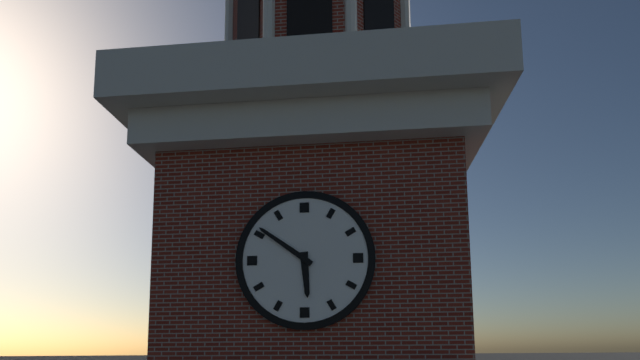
5:51
